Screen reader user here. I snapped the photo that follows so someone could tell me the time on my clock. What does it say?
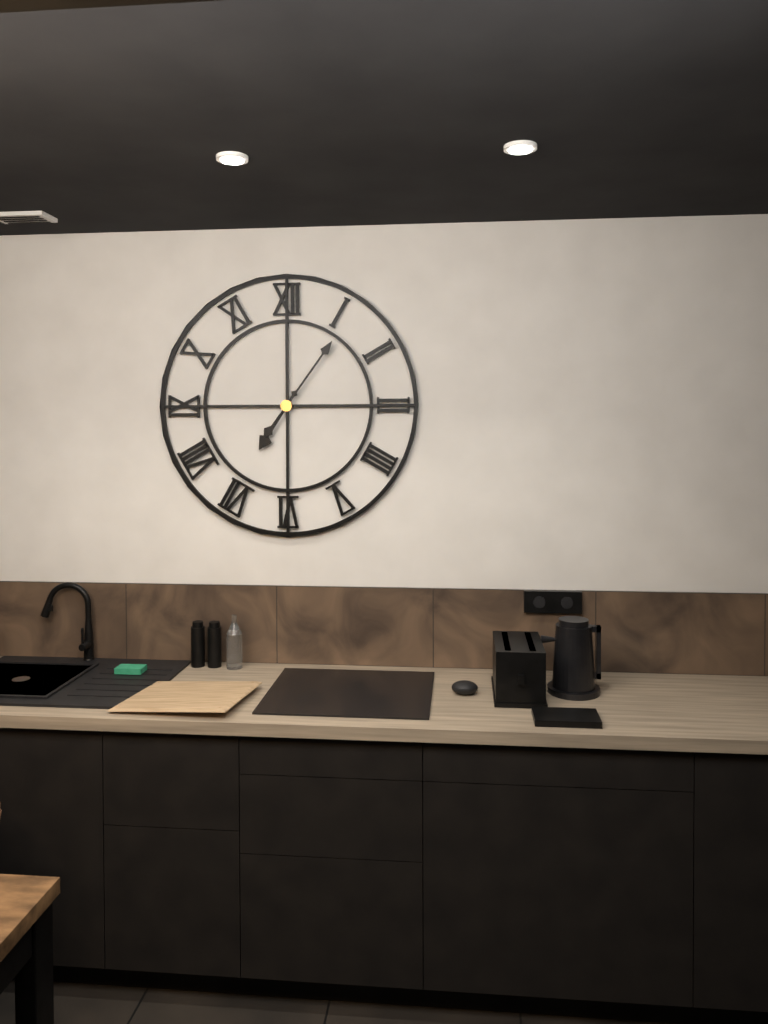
7:06
